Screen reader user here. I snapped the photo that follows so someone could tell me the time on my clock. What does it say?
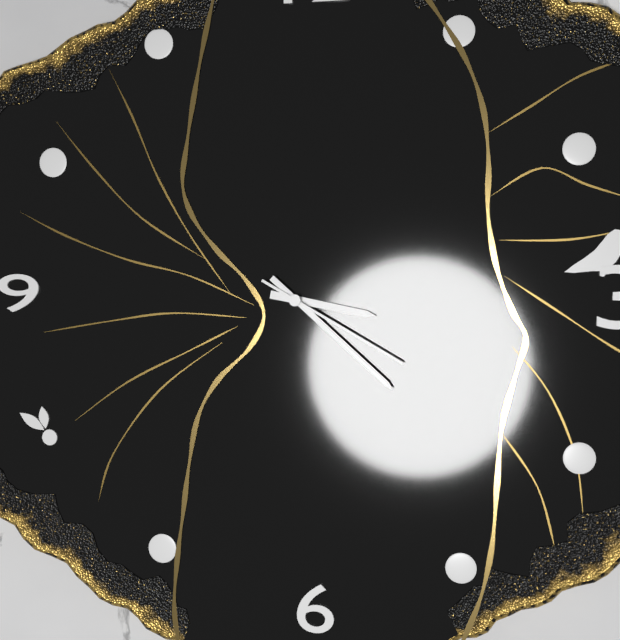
3:22:20
